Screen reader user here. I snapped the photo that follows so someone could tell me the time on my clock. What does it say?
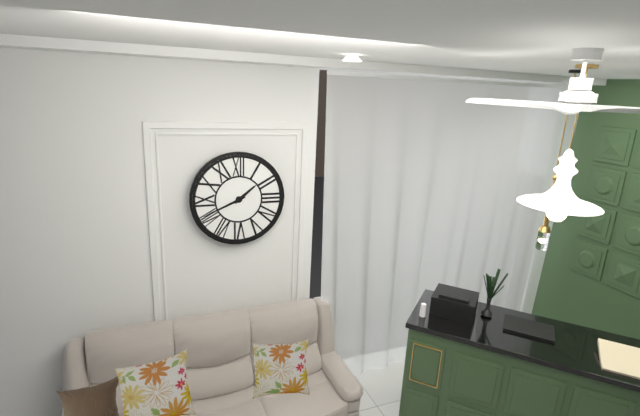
1:41
